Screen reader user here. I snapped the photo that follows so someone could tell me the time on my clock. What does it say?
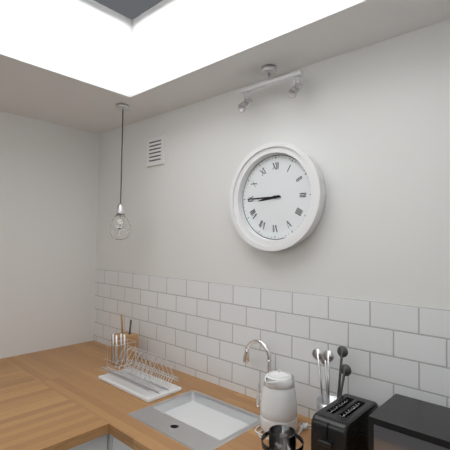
8:45
